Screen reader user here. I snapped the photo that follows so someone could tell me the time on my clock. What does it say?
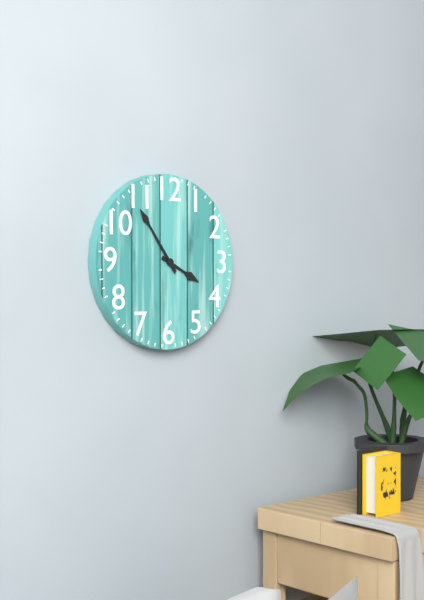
3:54
